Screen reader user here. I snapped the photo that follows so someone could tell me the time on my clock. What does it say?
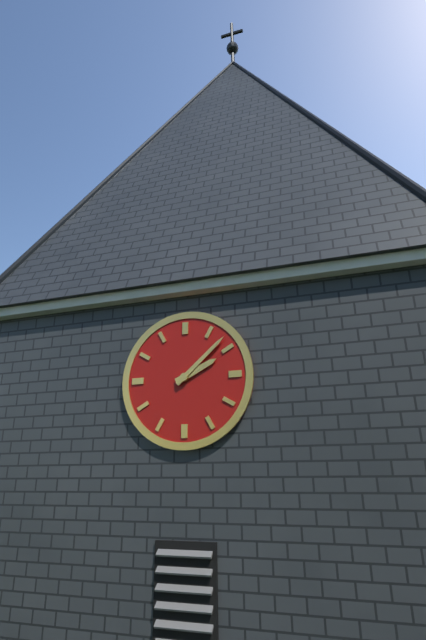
2:08
